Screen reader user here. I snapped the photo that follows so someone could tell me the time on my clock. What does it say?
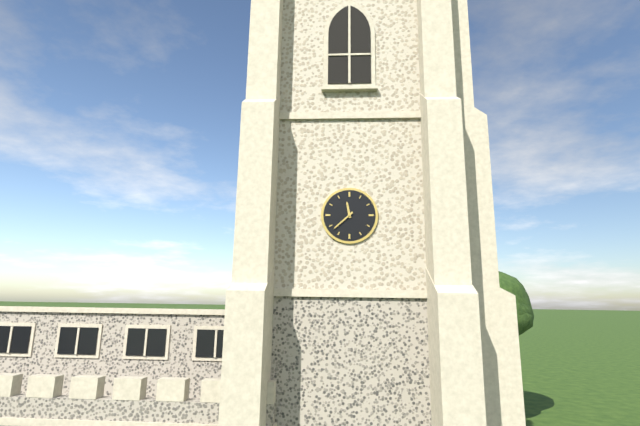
11:38
